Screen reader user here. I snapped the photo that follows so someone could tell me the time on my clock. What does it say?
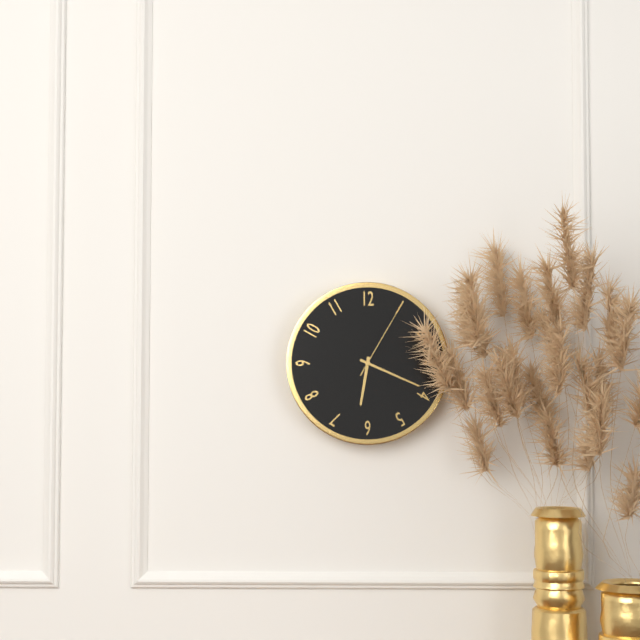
6:19:05
